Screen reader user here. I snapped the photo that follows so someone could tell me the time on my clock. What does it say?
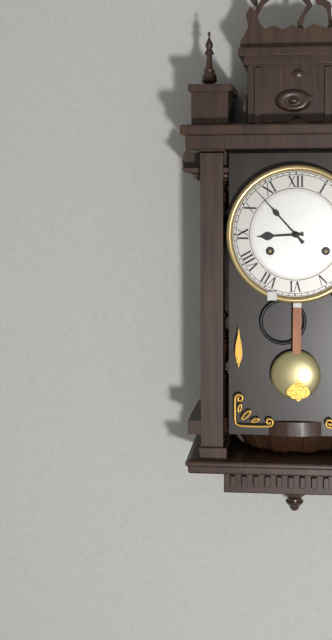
8:53
